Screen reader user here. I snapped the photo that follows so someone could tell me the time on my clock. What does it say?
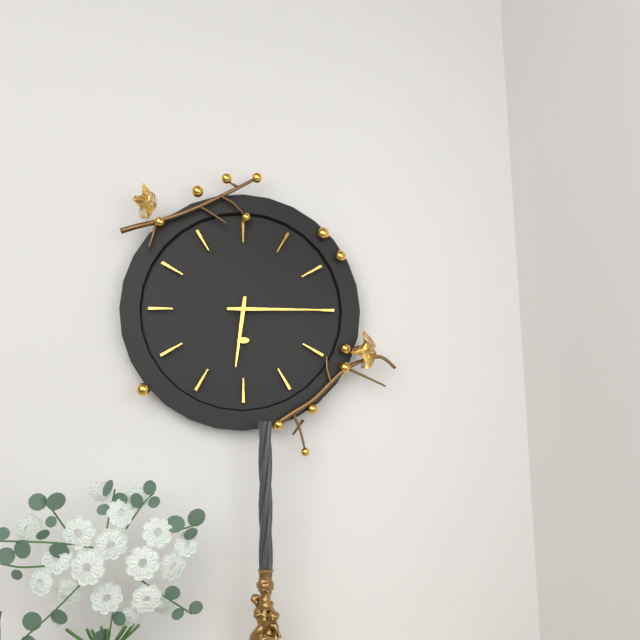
6:15
